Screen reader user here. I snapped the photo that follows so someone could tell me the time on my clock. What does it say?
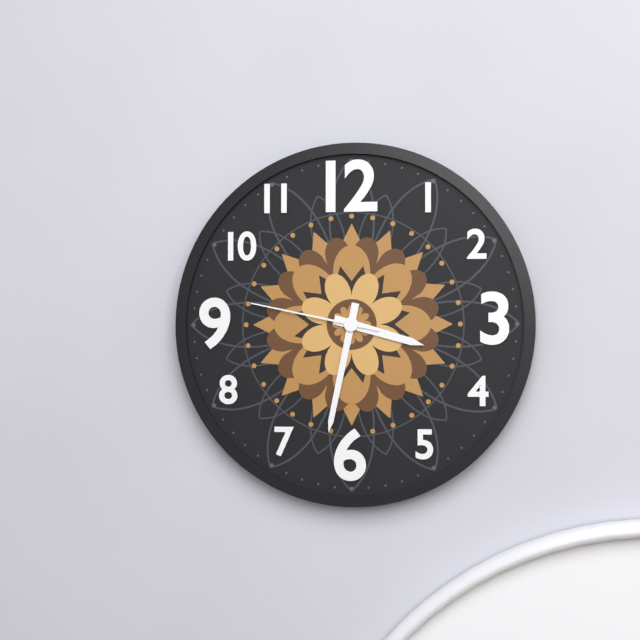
3:32:47
